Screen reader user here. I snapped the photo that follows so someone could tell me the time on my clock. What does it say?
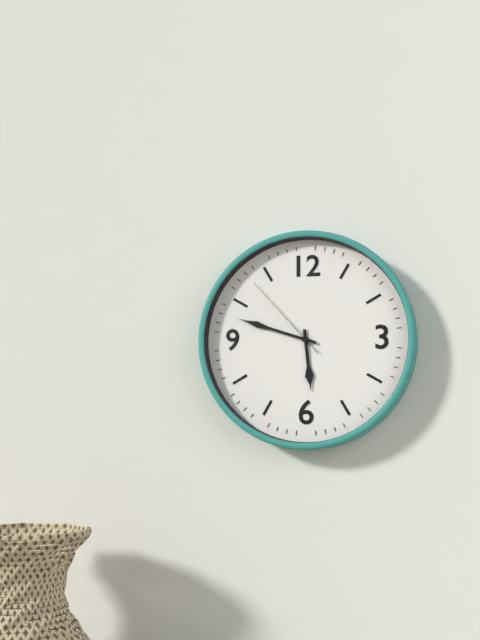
5:48:53
